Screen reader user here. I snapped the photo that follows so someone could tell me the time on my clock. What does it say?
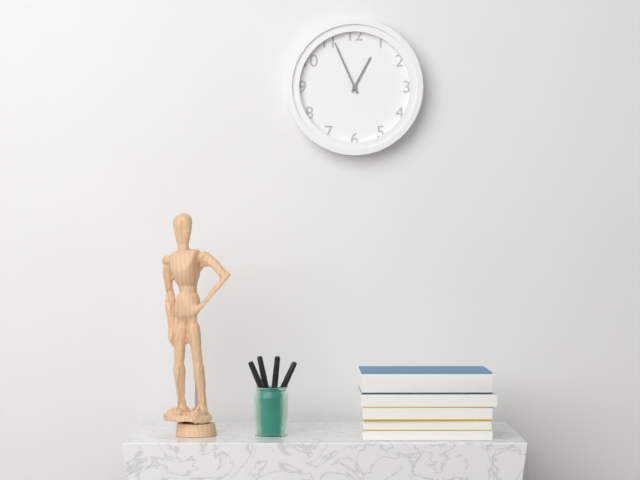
12:56
